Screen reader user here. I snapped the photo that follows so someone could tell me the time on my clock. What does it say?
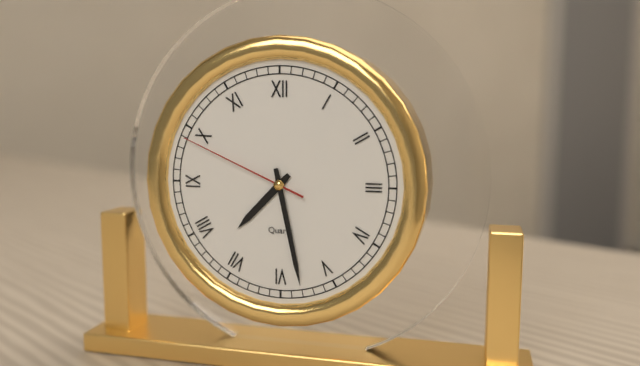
7:28:49
